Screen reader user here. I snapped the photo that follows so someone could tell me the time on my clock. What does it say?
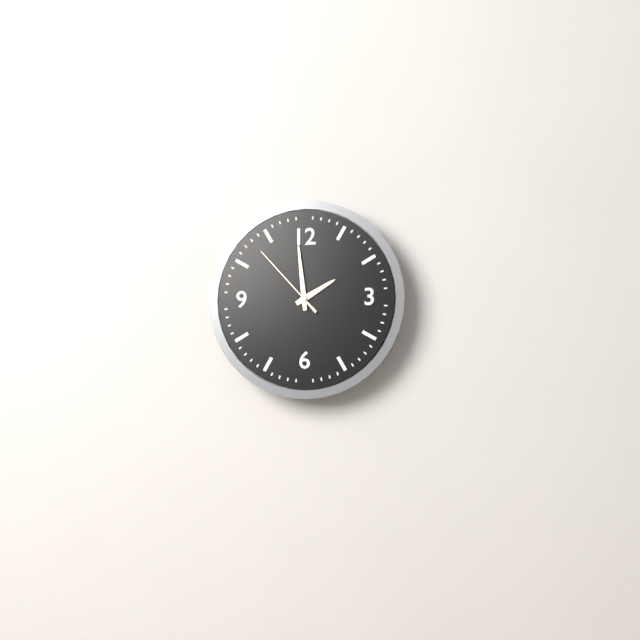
1:59:53
